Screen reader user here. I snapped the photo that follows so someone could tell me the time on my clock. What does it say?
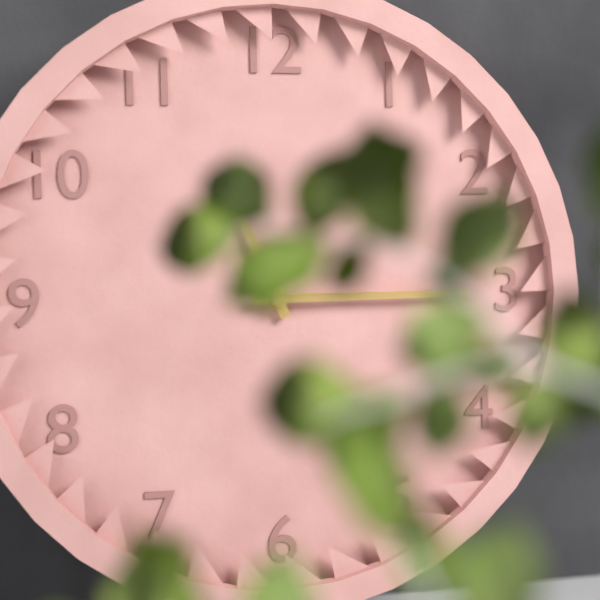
11:15
